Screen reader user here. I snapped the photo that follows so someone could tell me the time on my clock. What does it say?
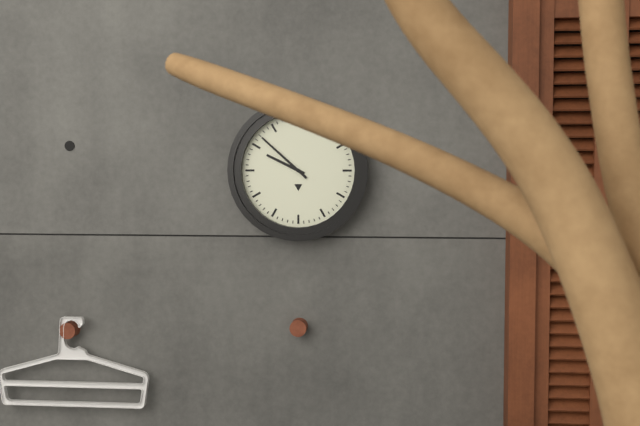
9:52
